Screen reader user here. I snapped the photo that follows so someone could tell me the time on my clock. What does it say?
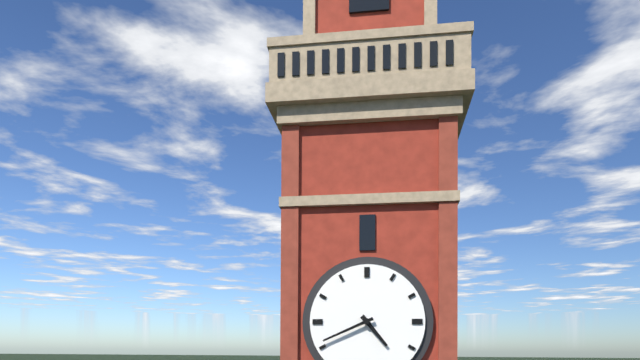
4:41
